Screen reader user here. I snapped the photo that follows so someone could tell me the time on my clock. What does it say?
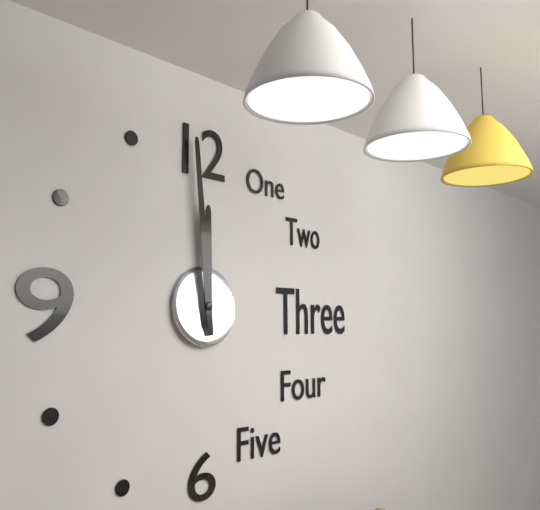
11:59
